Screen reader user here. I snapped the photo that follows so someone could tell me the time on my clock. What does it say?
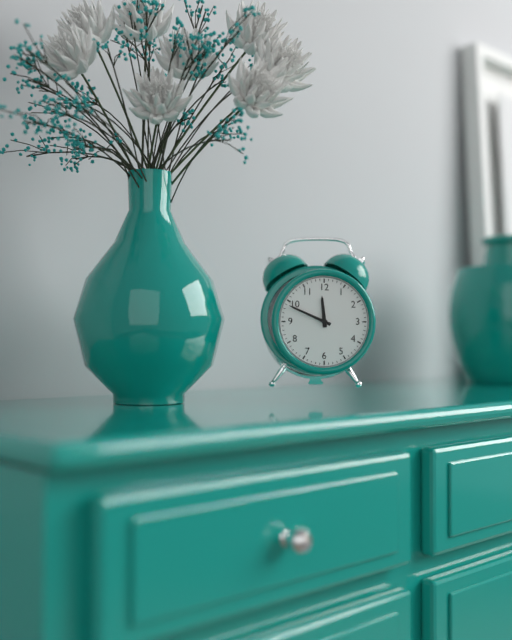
11:49
